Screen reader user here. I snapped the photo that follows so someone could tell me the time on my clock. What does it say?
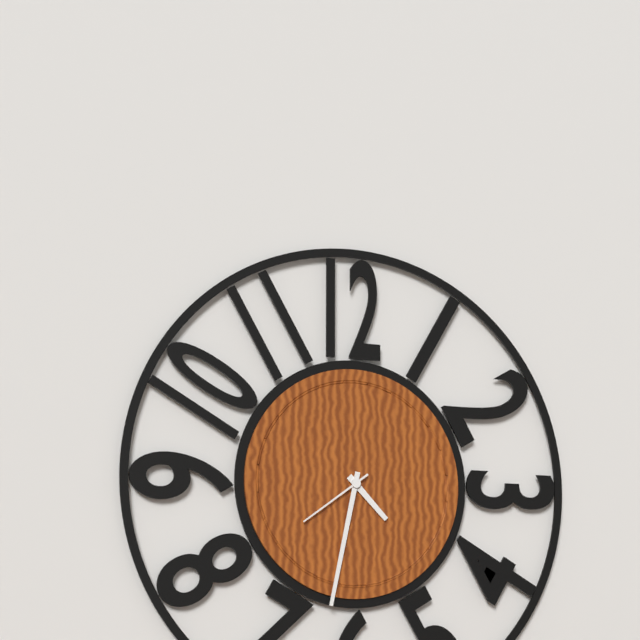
4:32:39
